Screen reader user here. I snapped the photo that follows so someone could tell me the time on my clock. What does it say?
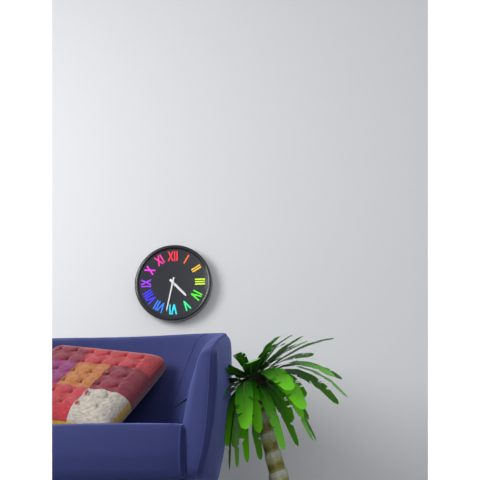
4:32
